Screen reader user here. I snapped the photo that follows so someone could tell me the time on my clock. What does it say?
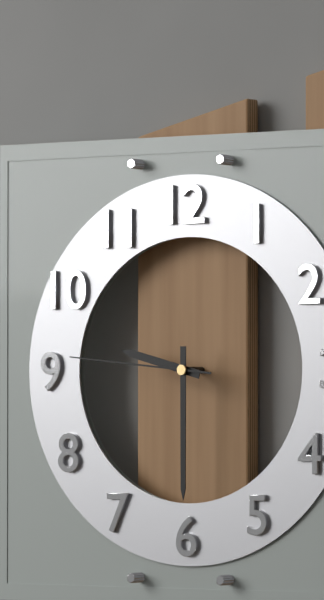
9:30:46
